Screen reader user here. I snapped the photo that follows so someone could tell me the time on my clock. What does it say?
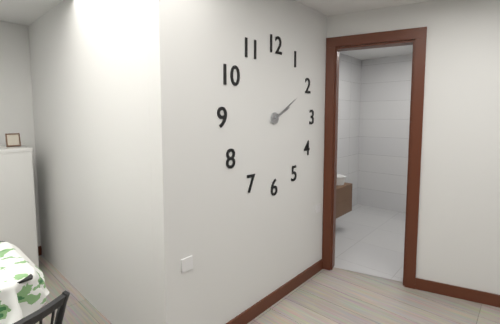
2:10
